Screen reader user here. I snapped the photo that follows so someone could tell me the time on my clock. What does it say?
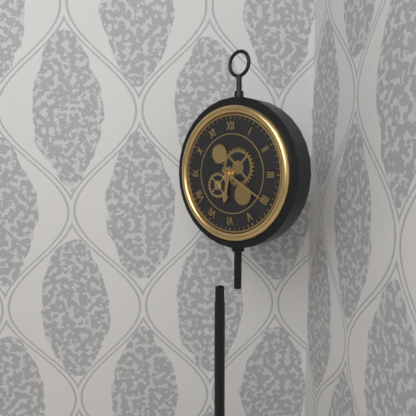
6:20
